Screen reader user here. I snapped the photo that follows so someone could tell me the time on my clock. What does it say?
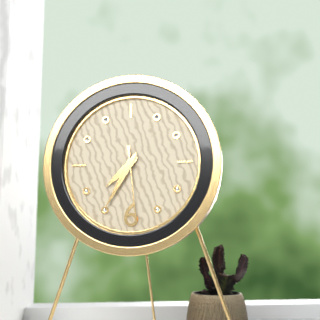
7:35:29
